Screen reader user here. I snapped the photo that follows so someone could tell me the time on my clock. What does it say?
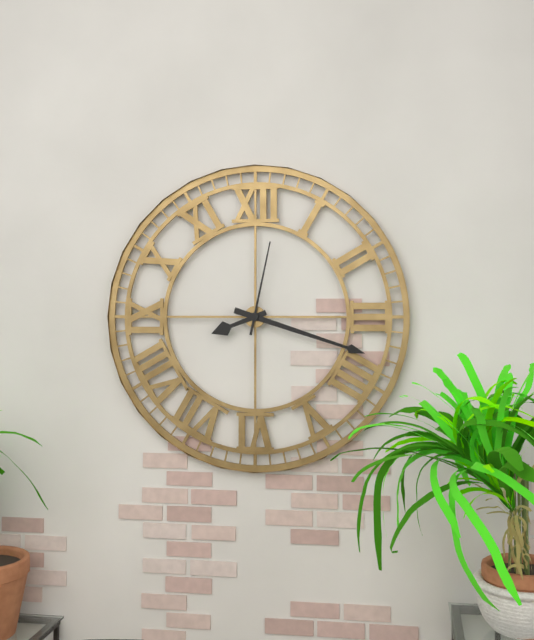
8:18:02
